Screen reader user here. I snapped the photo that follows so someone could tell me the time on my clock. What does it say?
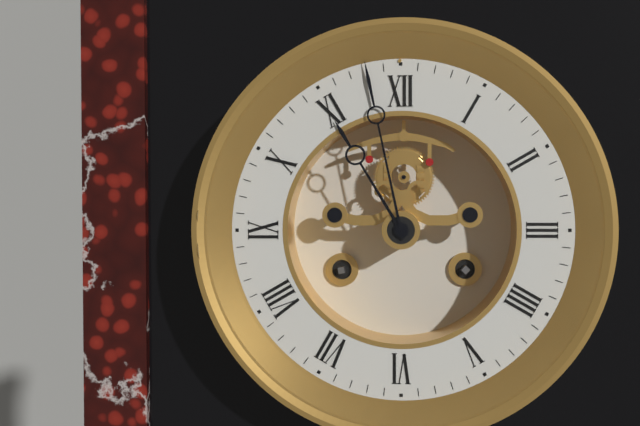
10:58
